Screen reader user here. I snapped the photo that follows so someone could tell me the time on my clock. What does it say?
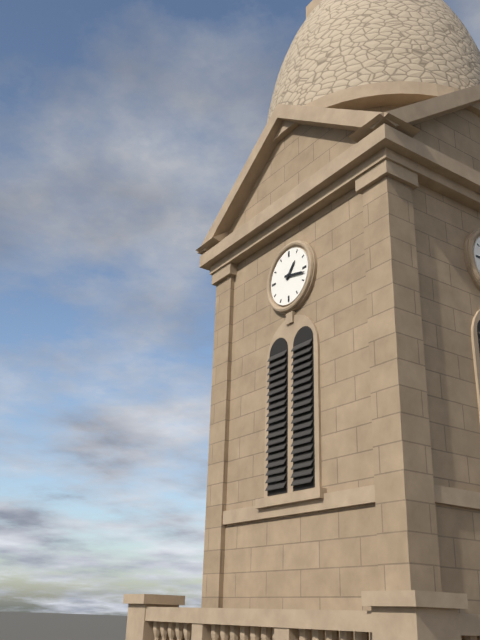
1:17
